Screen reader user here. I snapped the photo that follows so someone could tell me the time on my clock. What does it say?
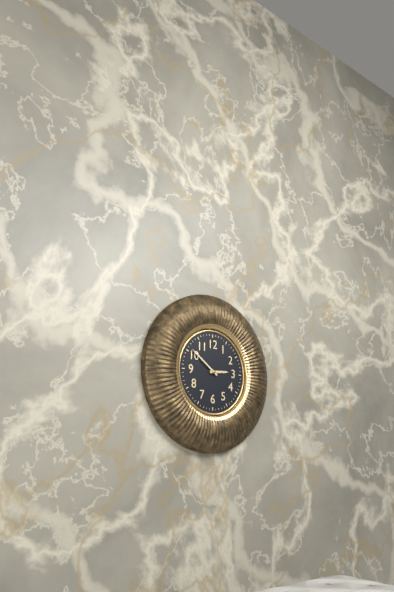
2:51
